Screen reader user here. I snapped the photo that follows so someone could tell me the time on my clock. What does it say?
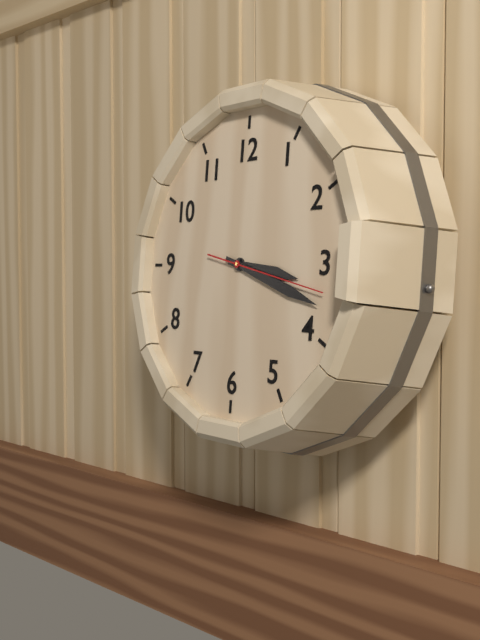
3:18:17
